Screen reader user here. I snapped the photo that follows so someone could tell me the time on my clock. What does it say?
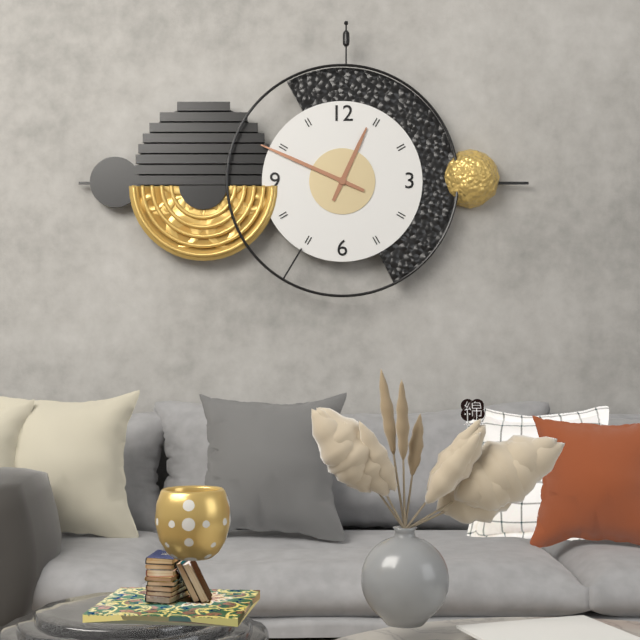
12:49
